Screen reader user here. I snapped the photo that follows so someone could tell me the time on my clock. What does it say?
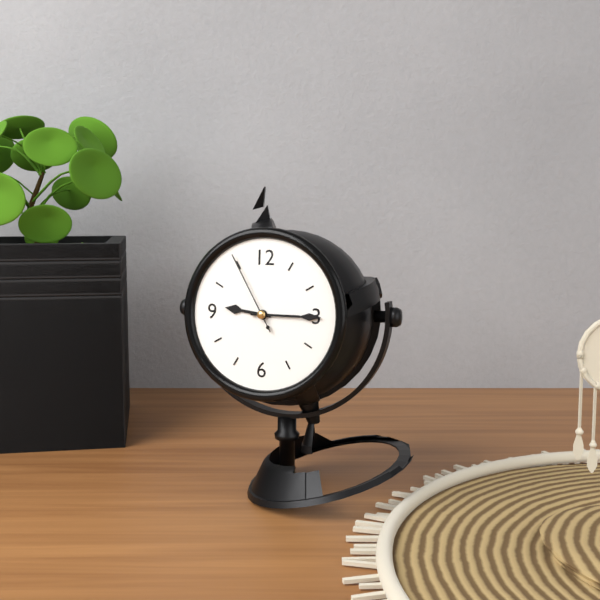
9:15:55
